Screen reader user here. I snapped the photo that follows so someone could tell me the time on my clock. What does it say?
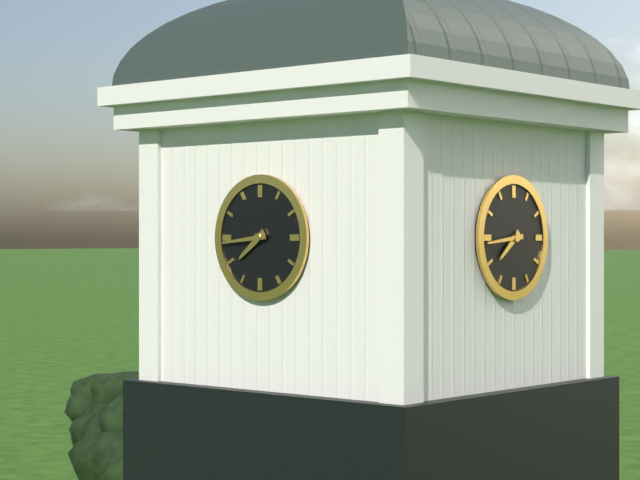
7:44
